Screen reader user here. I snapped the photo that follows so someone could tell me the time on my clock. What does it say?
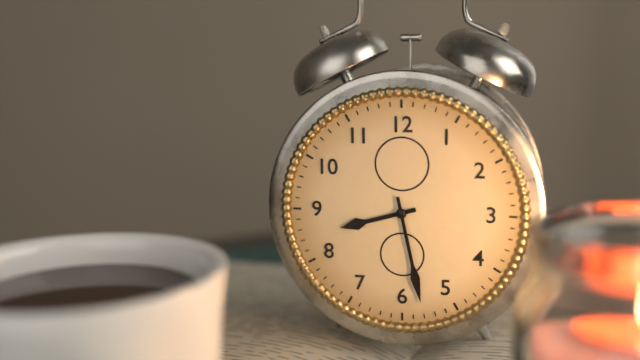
8:28
